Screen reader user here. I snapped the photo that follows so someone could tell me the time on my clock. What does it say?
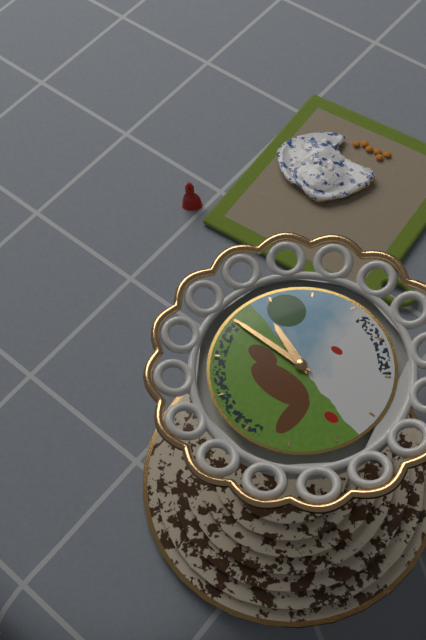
9:45
